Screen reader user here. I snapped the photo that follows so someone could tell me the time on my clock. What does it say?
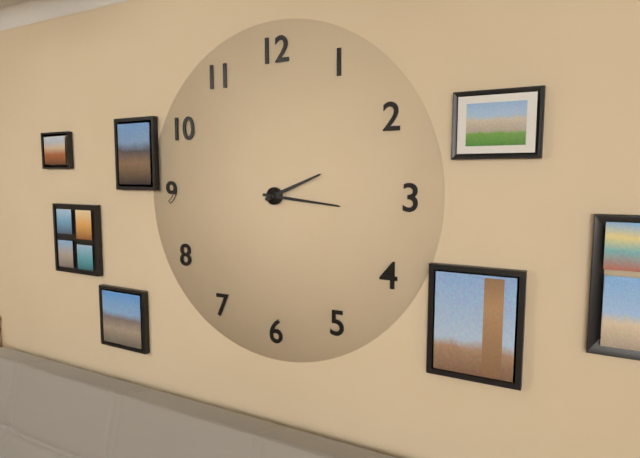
2:16
